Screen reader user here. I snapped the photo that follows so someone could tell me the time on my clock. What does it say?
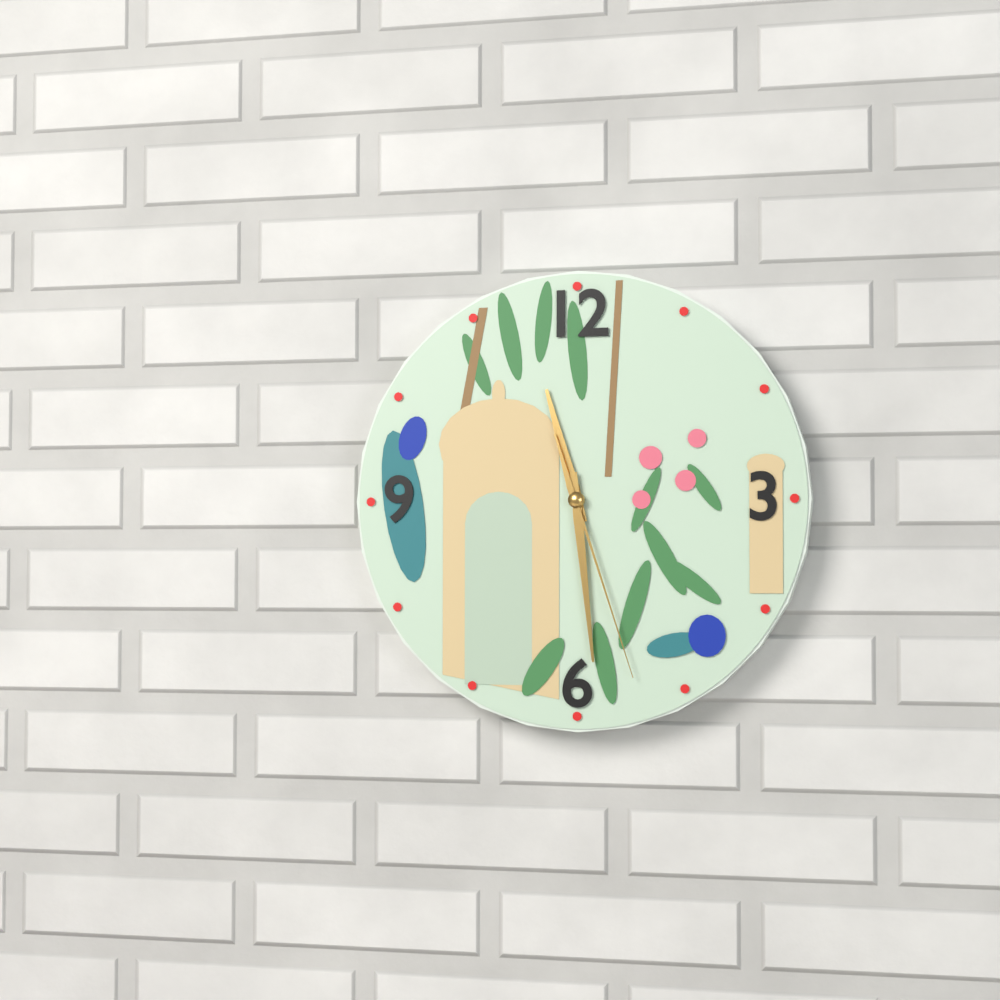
11:29:27
